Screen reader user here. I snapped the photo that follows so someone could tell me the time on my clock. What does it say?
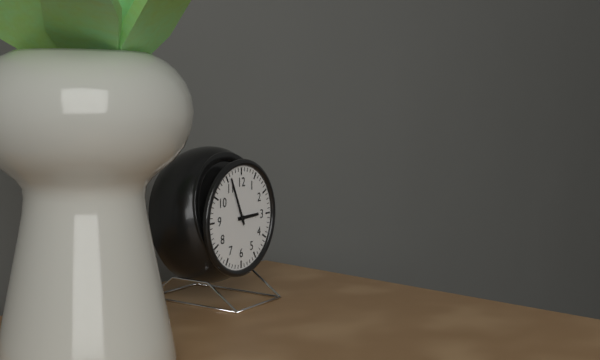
2:56
